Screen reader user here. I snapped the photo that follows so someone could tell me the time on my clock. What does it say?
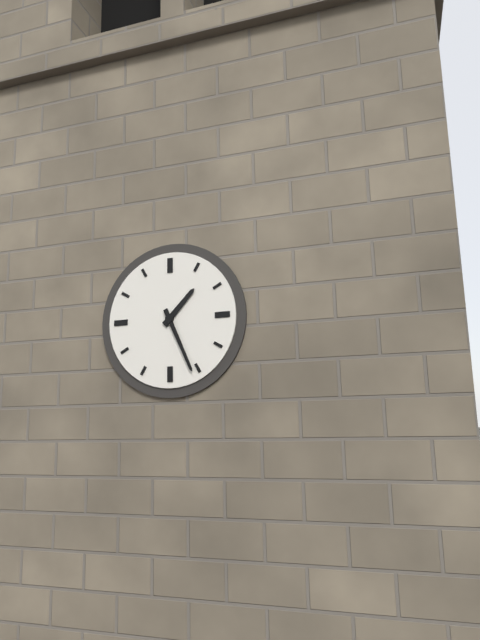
1:26
